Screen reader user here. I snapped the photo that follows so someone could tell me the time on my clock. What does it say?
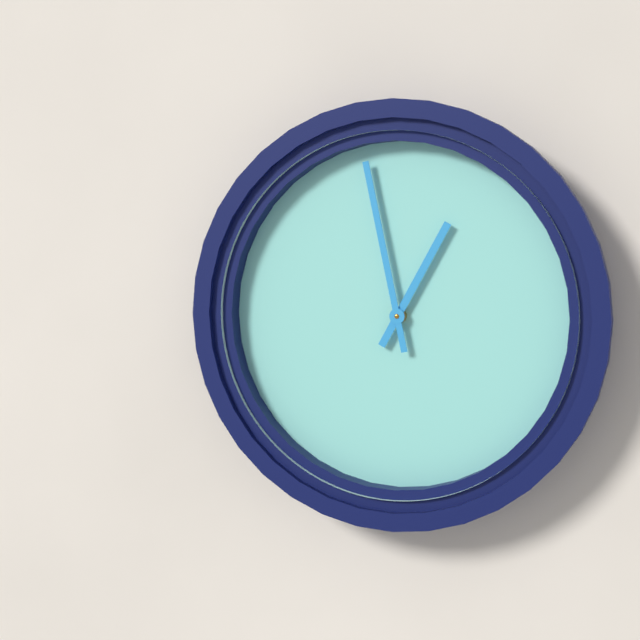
12:58
